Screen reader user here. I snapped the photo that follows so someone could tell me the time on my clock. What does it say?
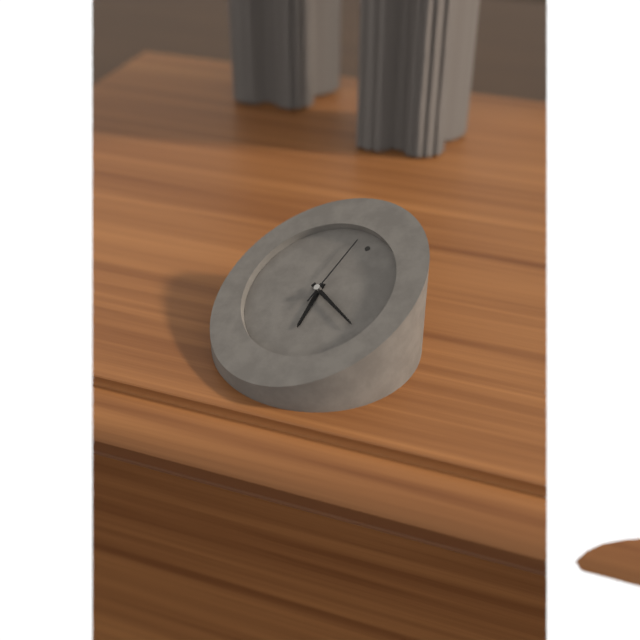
5:16:58
